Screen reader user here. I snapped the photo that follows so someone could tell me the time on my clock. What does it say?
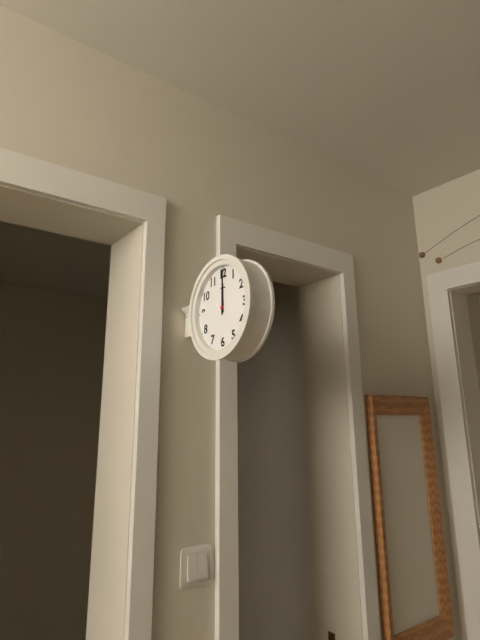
12:00
